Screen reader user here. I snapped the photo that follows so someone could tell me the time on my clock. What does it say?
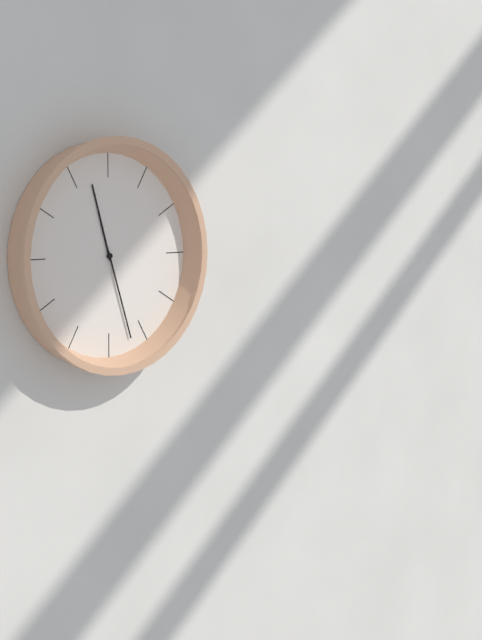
11:27
